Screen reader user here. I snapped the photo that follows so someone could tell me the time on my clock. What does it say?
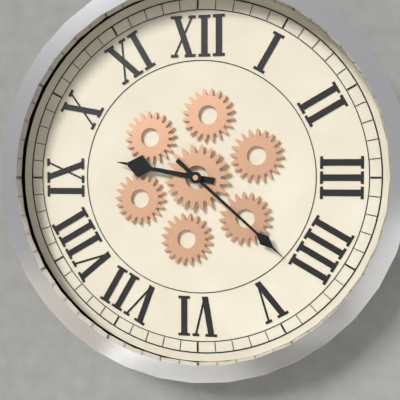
9:22
